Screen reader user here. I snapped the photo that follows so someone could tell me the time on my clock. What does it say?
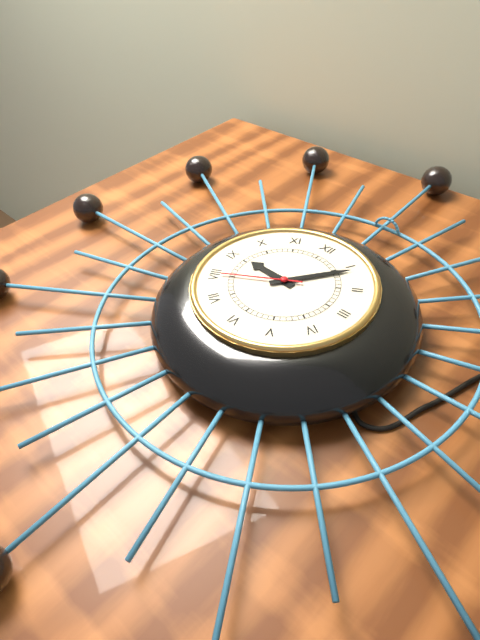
9:06:40
